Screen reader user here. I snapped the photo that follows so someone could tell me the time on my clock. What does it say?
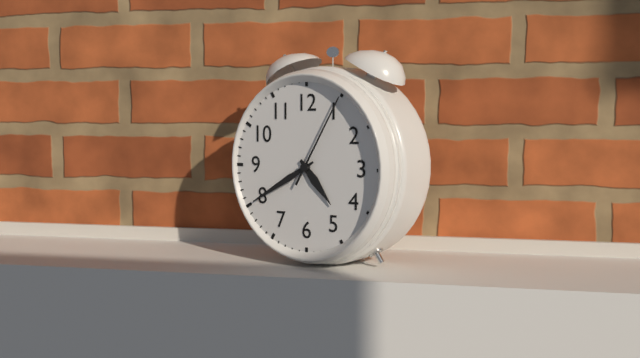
4:40:05
